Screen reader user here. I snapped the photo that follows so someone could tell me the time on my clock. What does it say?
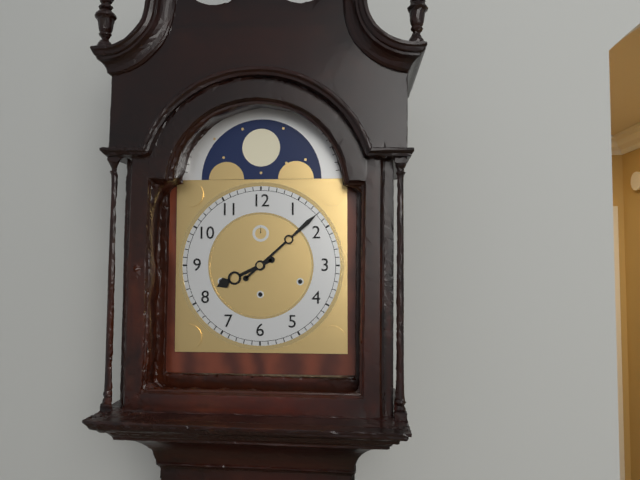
8:08
